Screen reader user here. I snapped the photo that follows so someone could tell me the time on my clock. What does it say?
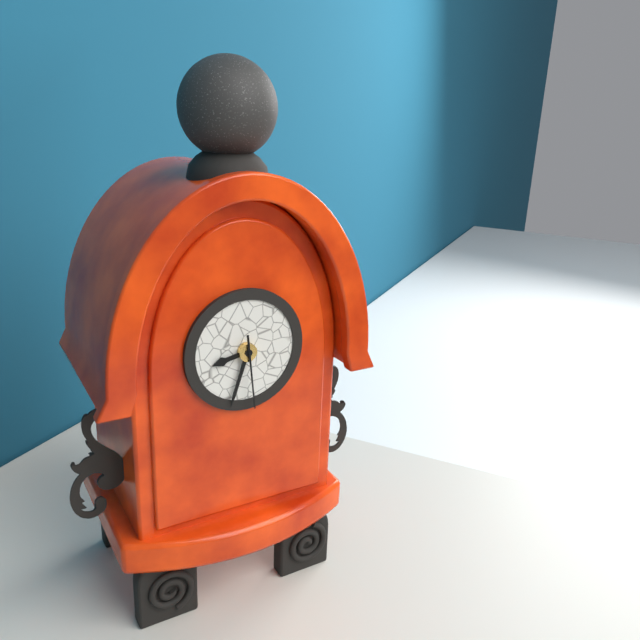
8:33:29
